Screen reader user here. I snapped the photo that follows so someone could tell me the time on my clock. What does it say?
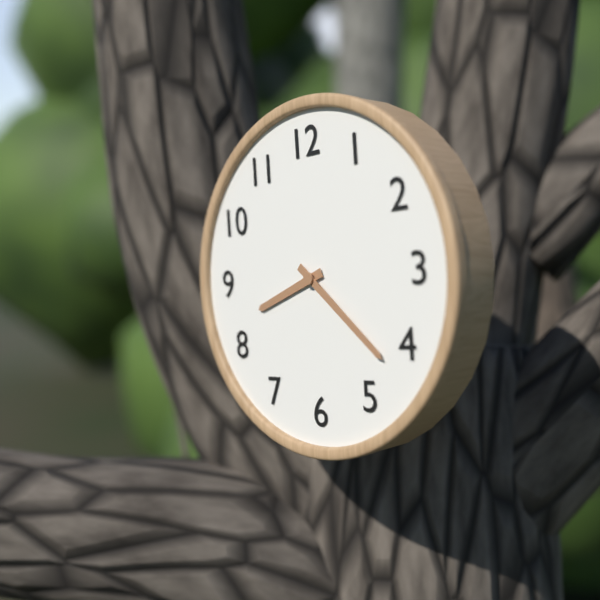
8:22
